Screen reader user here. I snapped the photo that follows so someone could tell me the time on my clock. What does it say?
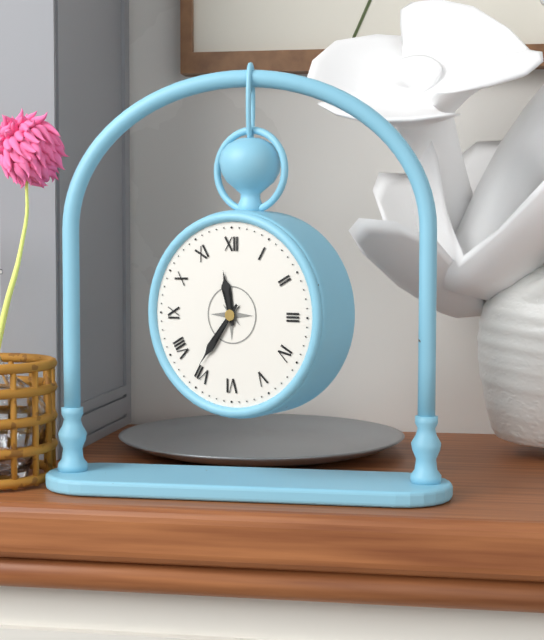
11:36
